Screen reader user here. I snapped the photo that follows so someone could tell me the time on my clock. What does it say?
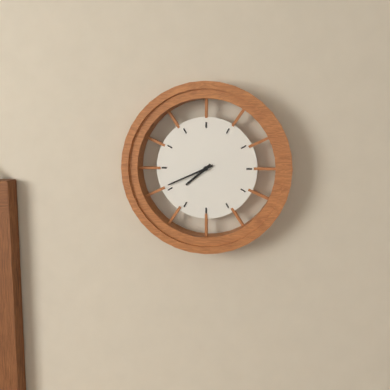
7:41
